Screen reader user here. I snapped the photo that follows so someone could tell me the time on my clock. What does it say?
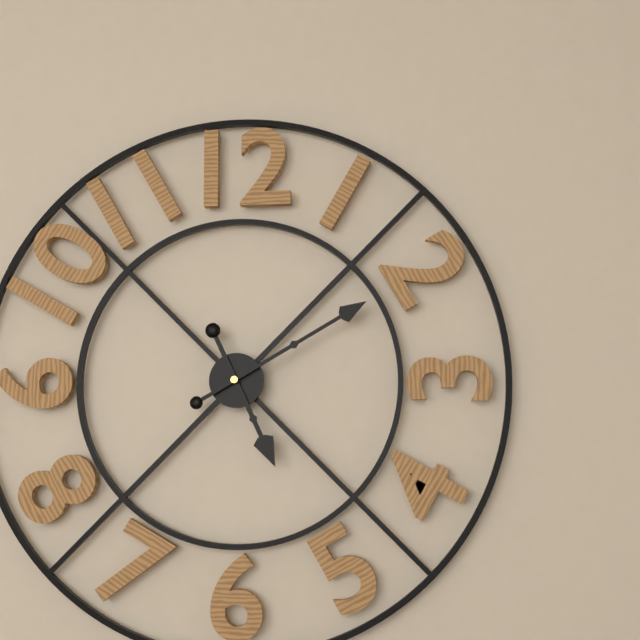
5:10
